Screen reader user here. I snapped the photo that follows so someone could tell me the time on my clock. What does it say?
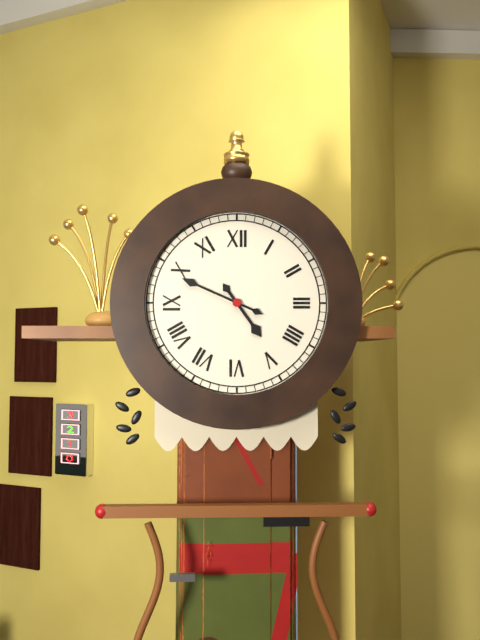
4:49
